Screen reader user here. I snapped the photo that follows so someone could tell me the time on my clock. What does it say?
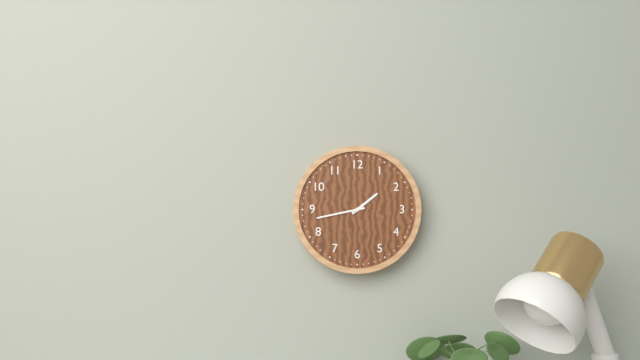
1:43
